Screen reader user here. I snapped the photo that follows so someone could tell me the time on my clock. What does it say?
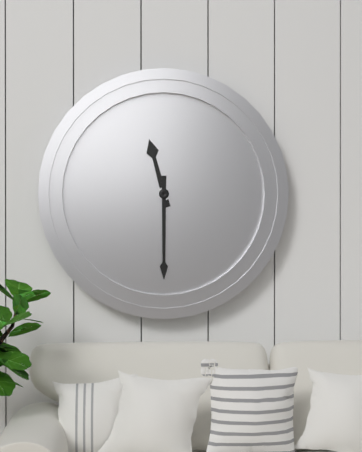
11:30
